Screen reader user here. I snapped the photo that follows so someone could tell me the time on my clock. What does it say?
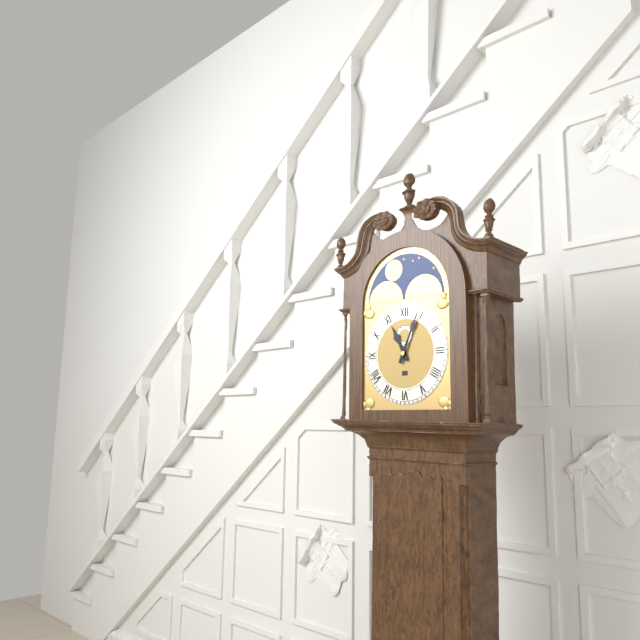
11:04
